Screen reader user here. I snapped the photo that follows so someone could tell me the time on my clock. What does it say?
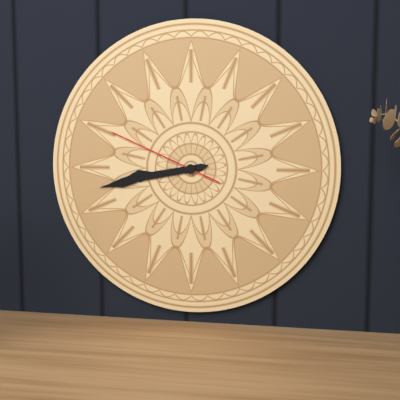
8:43:49
